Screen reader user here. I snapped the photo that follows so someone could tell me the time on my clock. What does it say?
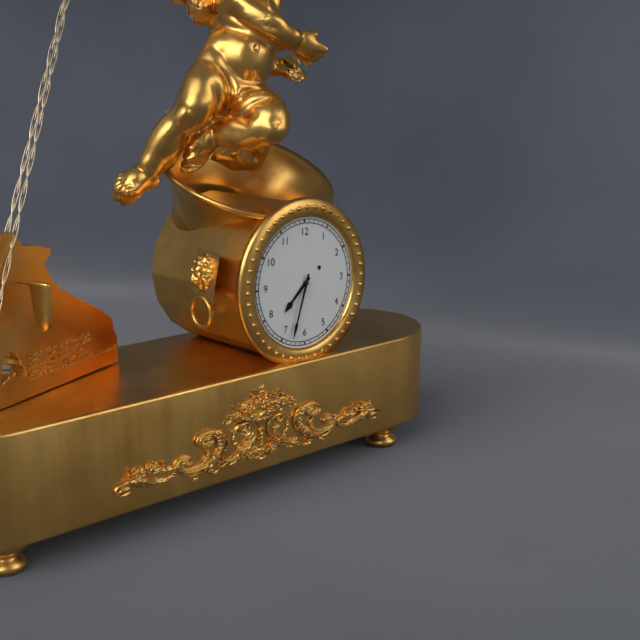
7:33
